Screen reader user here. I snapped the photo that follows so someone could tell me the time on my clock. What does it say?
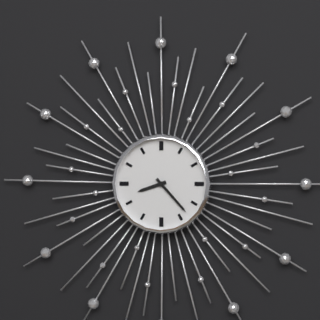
8:23
